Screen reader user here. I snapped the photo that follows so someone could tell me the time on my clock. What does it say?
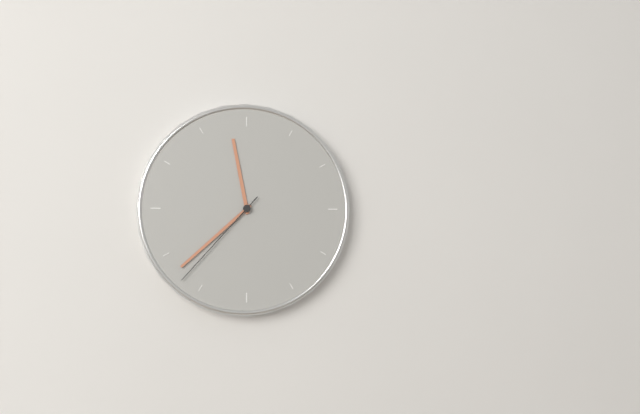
11:38:37
